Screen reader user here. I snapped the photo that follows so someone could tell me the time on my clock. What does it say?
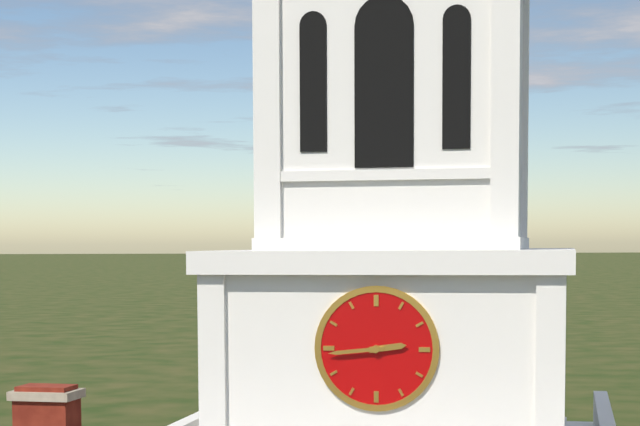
2:44
